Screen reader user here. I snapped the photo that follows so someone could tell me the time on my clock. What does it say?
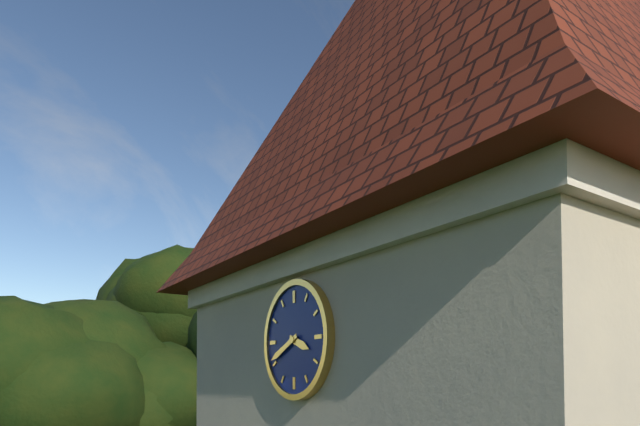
3:41
